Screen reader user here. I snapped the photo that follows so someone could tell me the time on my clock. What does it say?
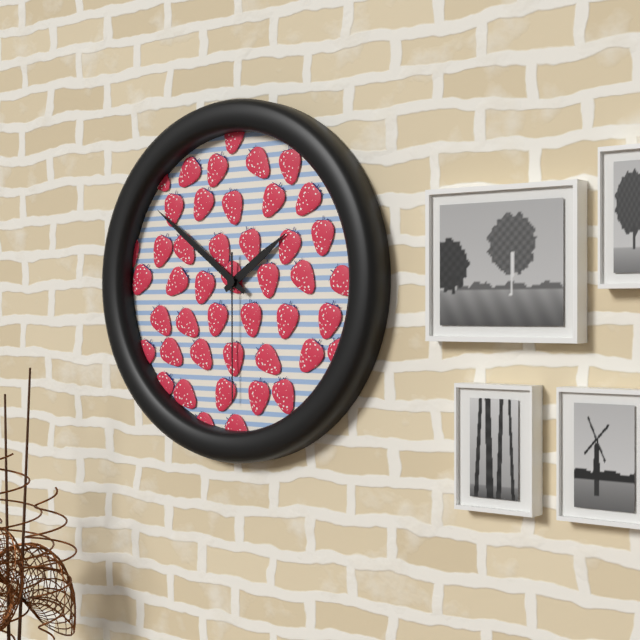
1:51:30
